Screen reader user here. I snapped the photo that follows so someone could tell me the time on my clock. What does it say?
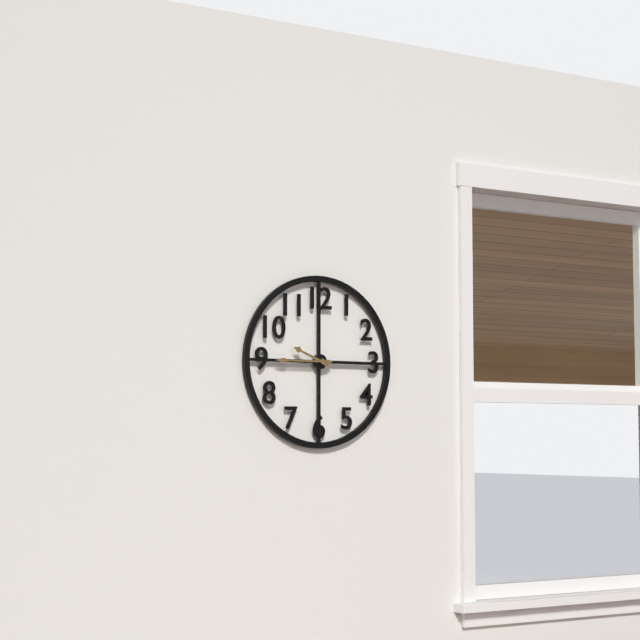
9:45
